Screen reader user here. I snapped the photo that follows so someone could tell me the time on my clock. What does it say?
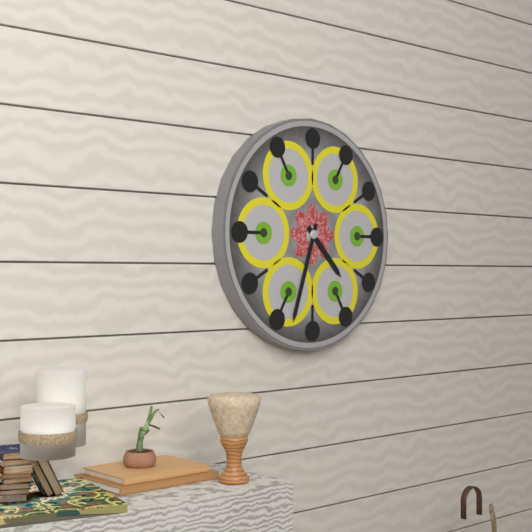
4:33
